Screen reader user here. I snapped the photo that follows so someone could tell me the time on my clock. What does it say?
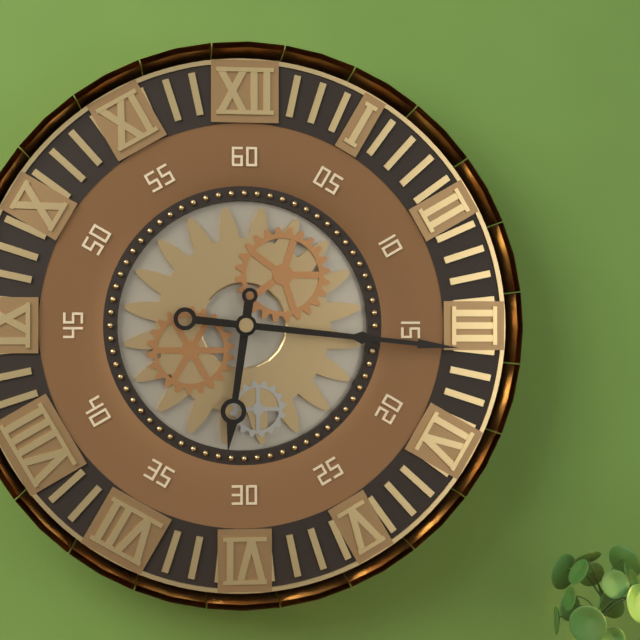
6:16
